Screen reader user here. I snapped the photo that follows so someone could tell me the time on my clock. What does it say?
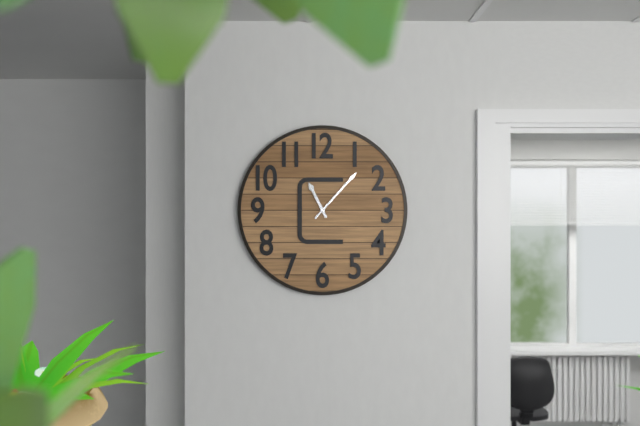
11:07
